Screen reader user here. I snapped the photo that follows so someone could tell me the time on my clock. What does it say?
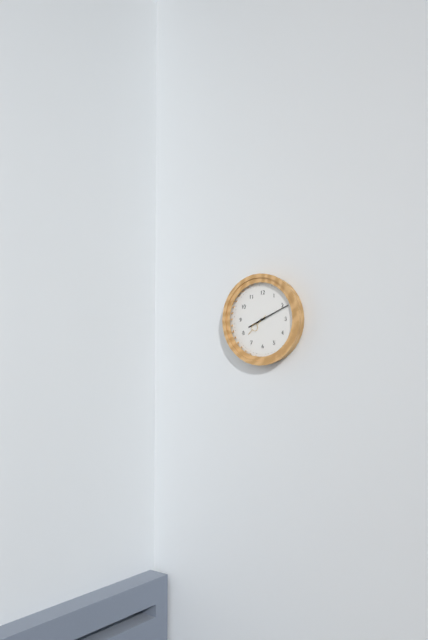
8:11
